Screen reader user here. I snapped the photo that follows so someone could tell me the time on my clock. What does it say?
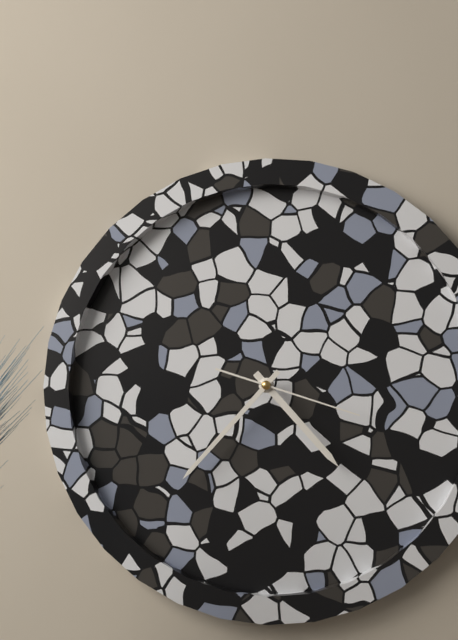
4:37:18
